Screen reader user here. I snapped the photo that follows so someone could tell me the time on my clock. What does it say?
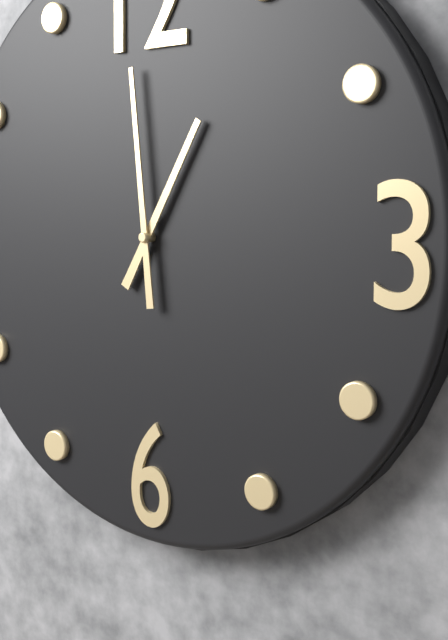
12:59
